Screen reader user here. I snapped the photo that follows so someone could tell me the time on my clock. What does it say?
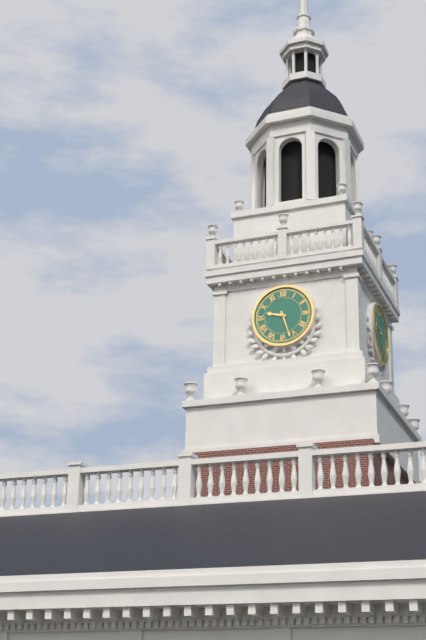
9:27
